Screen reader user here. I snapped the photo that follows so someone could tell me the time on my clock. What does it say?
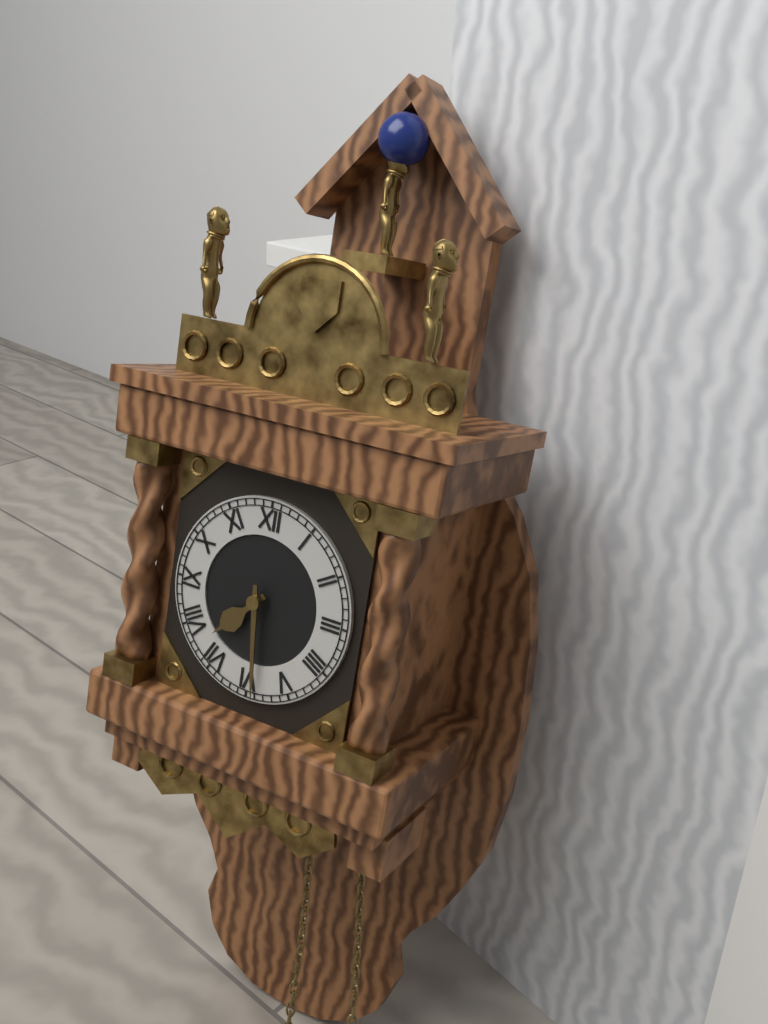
7:29
